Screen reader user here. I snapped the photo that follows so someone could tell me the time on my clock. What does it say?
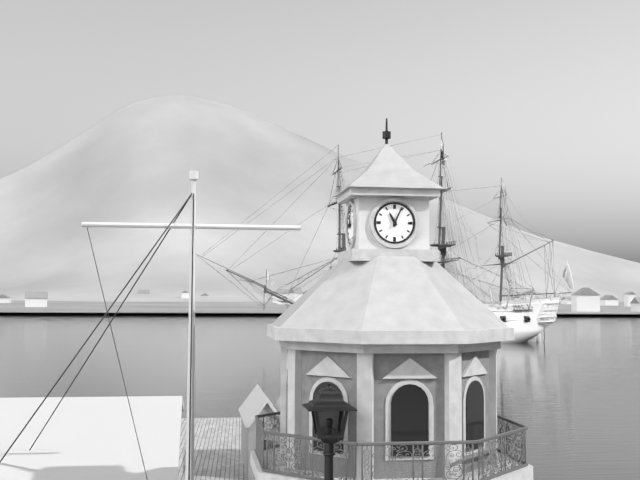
11:04
